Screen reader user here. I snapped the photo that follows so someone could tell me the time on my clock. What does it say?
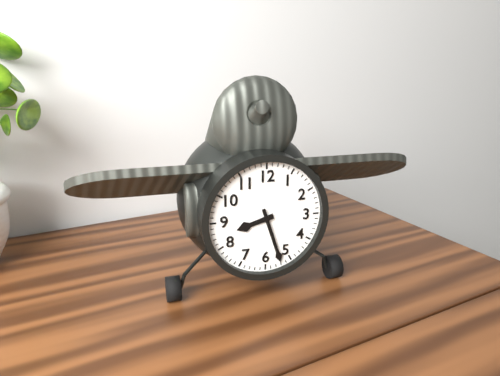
8:27
